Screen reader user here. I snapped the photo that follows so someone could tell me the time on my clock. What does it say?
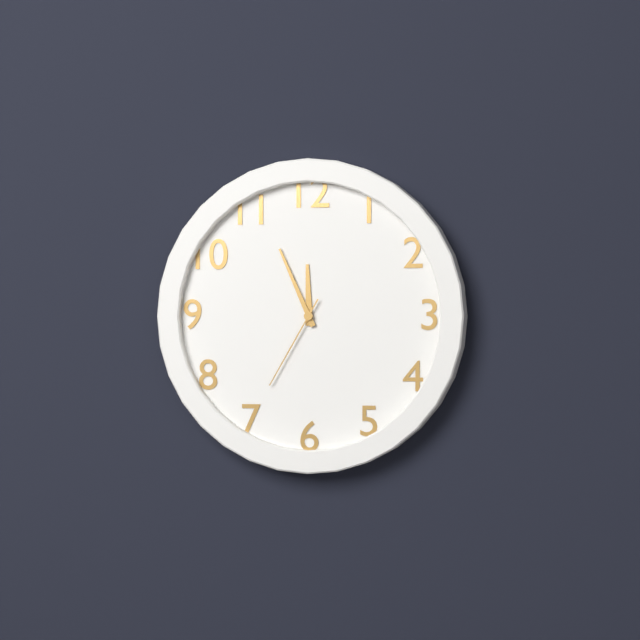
11:56:35
